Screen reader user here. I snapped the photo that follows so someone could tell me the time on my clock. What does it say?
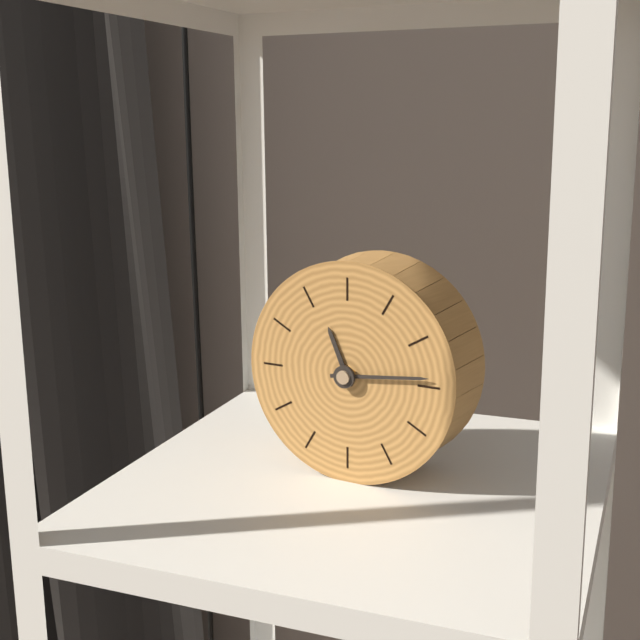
11:14
